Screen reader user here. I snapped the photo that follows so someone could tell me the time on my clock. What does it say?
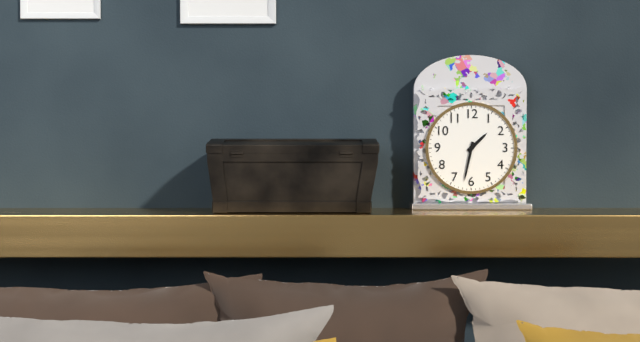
1:32
